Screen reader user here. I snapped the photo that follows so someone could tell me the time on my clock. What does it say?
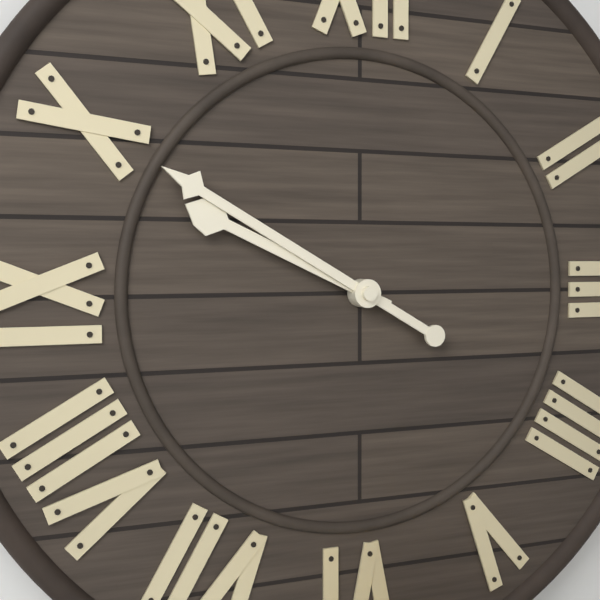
9:50
